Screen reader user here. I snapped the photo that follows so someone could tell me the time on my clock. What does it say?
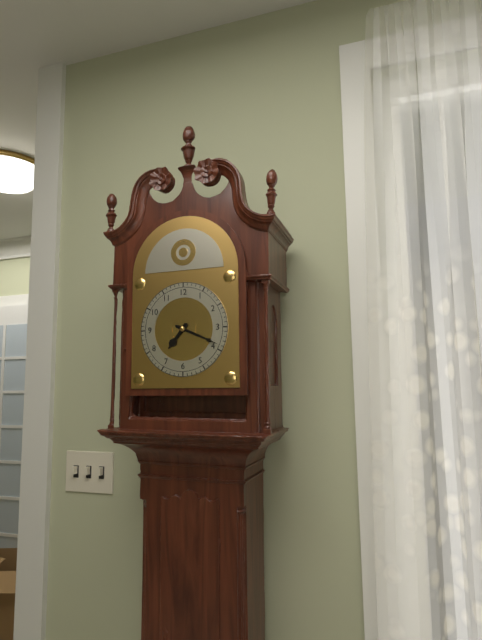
7:19
